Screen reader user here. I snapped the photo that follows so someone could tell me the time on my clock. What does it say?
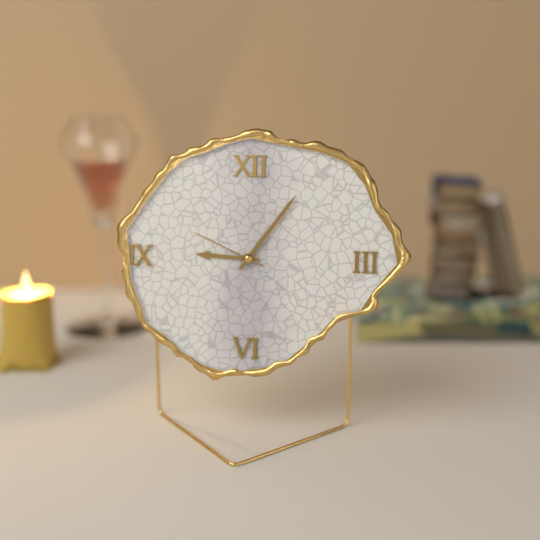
9:06:49
